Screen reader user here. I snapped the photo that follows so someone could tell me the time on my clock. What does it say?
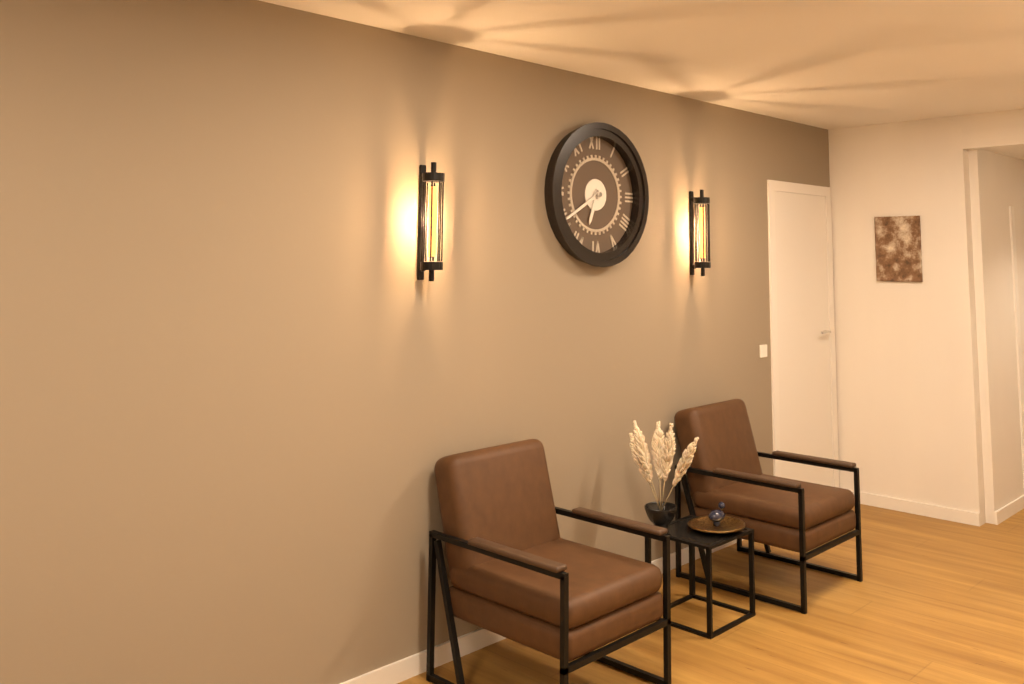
6:40
